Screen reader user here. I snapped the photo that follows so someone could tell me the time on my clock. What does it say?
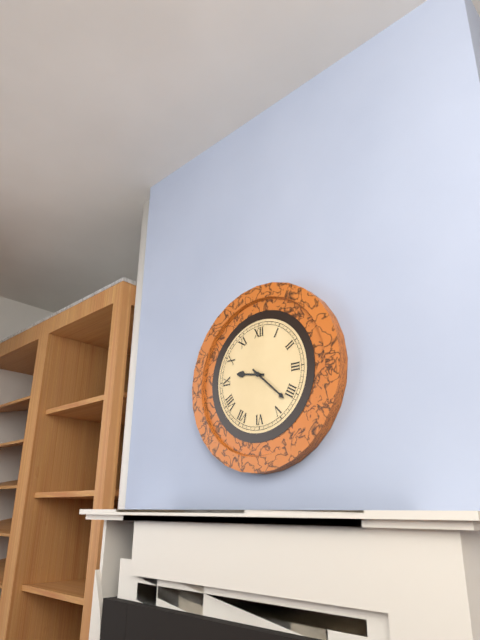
9:22
